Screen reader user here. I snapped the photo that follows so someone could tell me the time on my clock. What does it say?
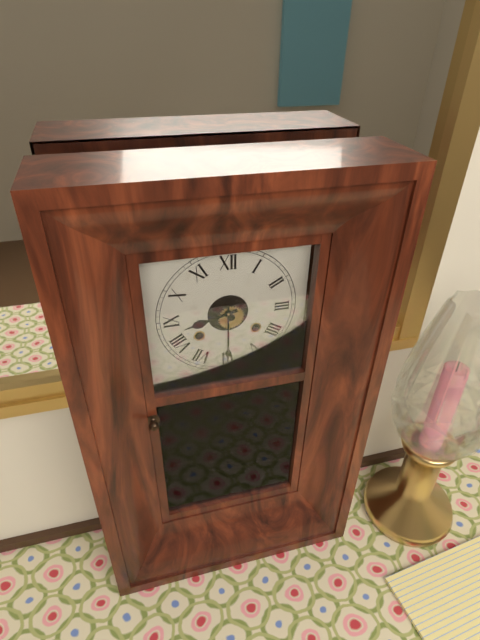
8:30
